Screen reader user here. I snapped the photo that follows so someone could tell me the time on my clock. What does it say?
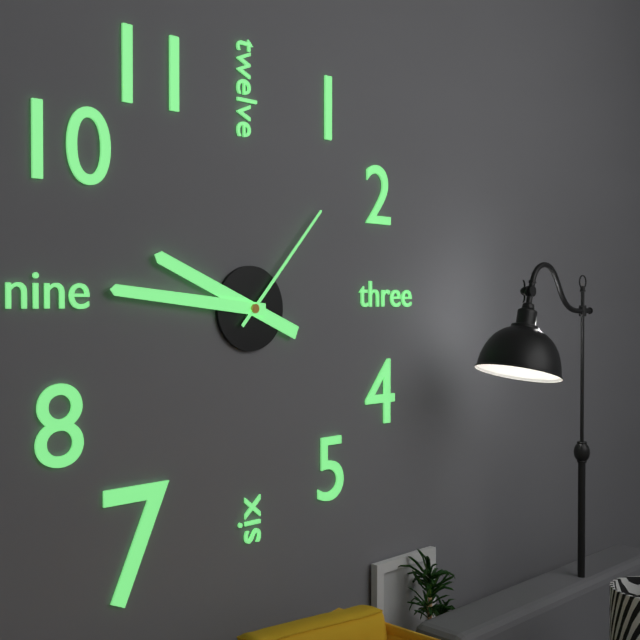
9:46:07
